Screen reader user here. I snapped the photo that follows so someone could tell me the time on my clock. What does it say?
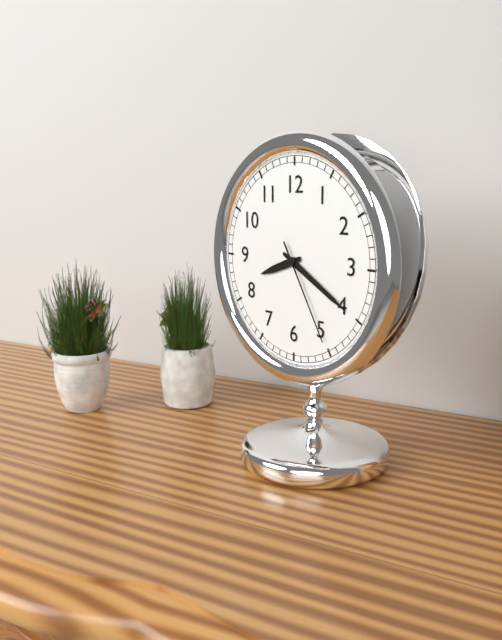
8:20:25
